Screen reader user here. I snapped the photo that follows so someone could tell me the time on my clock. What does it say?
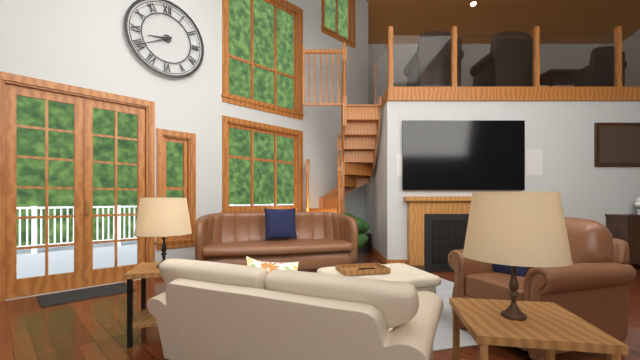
8:40
